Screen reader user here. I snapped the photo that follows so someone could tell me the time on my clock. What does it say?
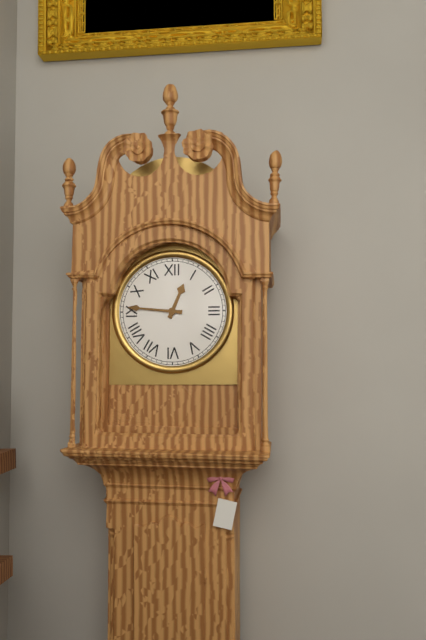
12:46
